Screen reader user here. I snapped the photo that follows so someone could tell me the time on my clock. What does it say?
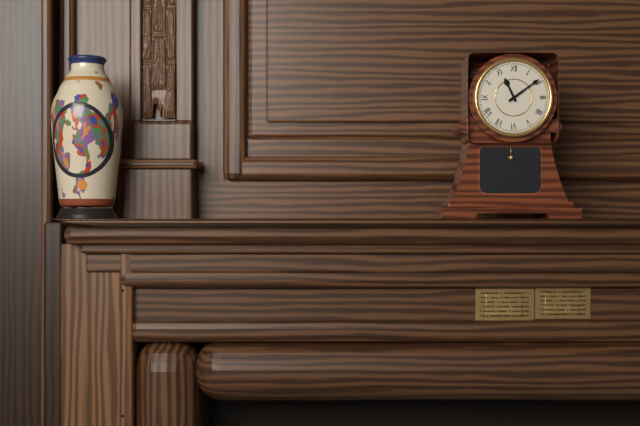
11:09
